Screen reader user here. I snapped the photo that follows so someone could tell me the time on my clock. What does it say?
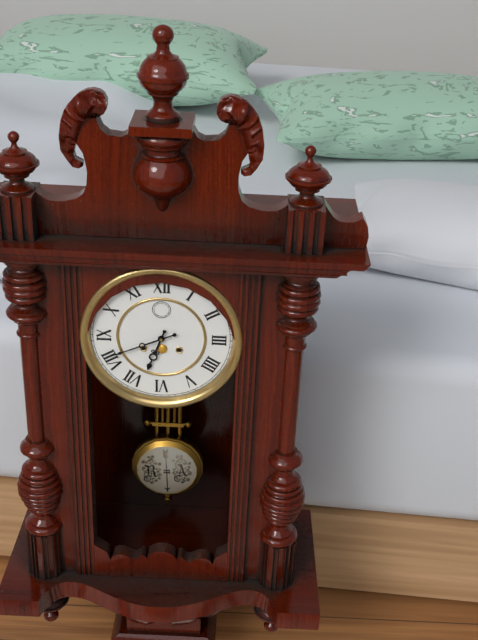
6:41
